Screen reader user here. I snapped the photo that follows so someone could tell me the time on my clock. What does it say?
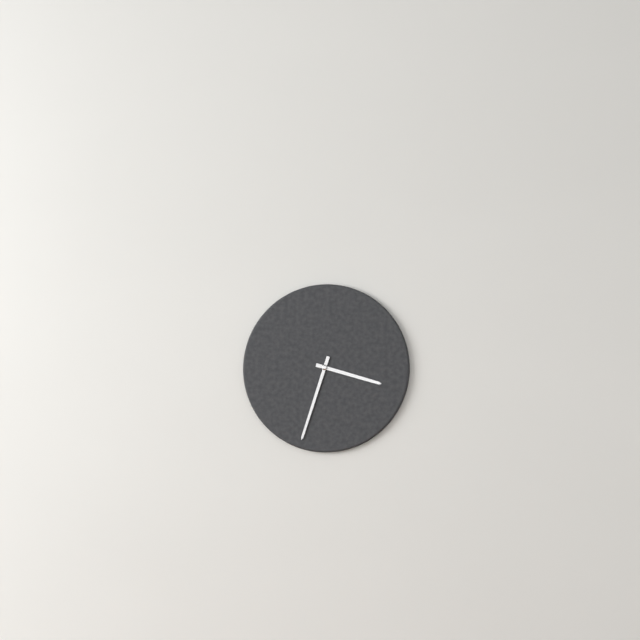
3:33
